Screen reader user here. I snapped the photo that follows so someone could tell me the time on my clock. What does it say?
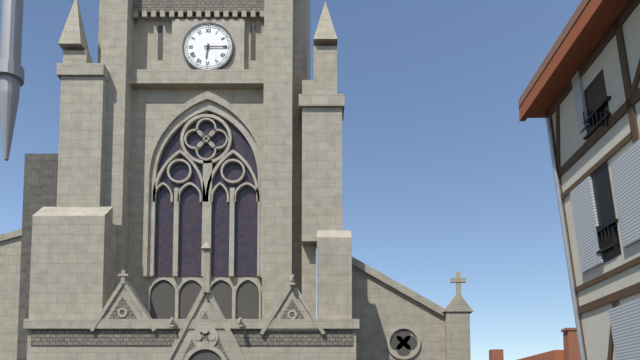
6:15
